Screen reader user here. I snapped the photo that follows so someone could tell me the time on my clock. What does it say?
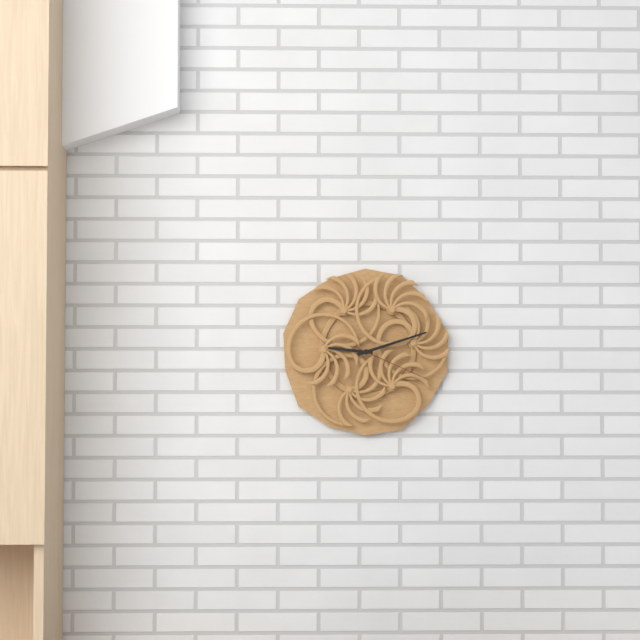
9:12:19
